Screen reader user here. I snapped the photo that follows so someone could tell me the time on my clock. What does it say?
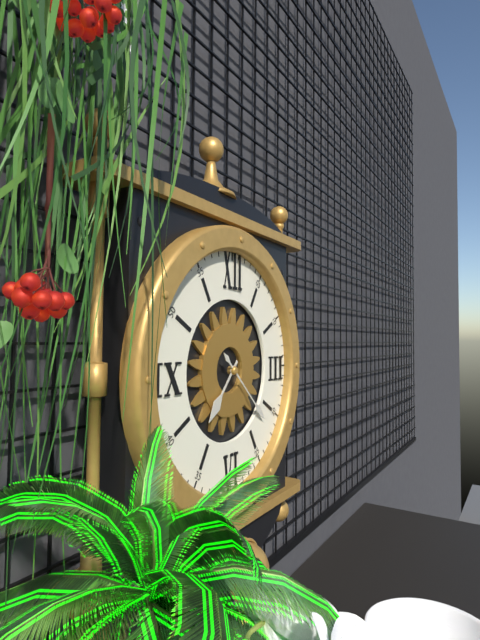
7:22
